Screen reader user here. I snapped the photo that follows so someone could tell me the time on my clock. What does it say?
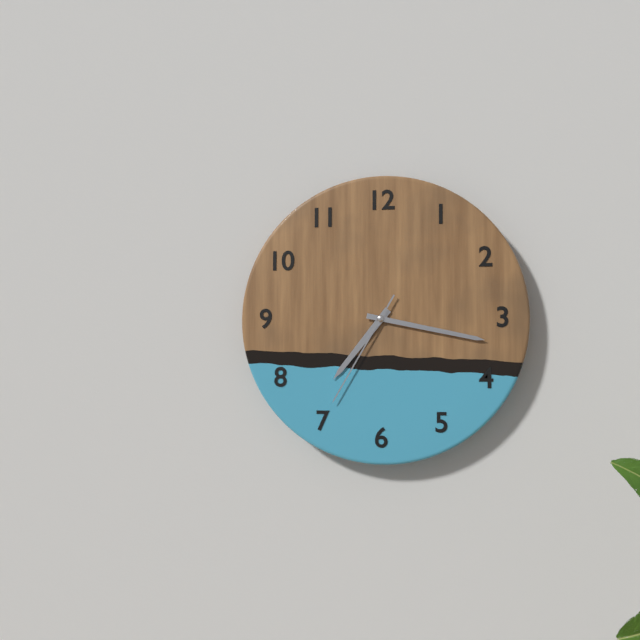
7:17:35
